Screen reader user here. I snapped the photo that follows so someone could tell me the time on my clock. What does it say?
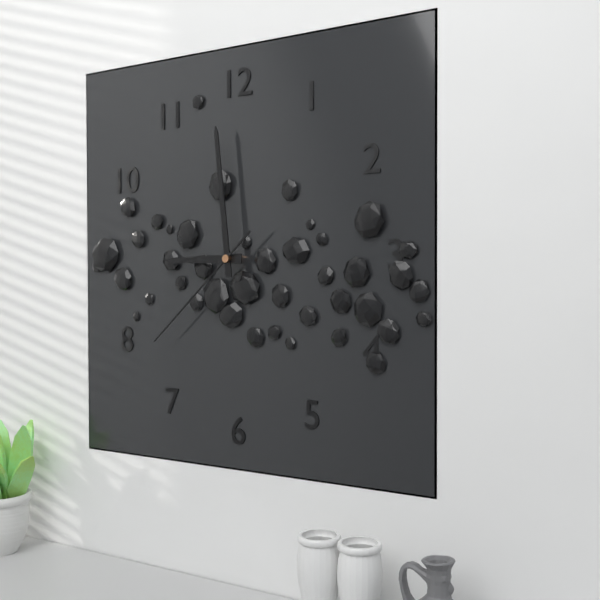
8:59:38
